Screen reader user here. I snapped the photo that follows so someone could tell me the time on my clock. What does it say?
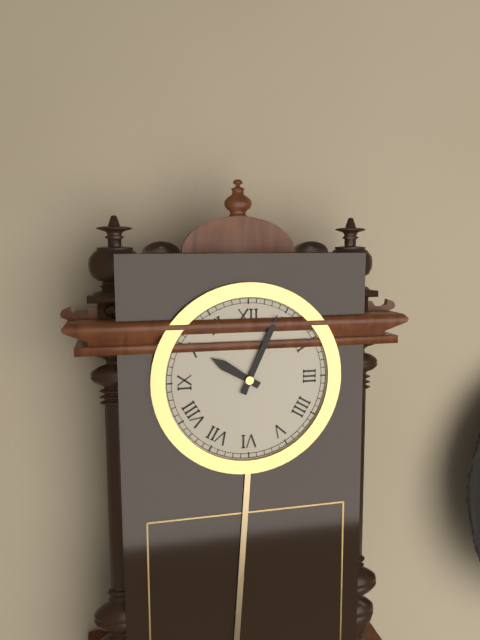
10:04
